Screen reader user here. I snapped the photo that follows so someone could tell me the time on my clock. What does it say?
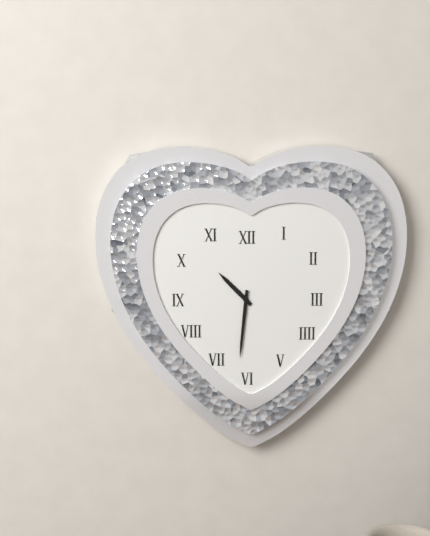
10:31
